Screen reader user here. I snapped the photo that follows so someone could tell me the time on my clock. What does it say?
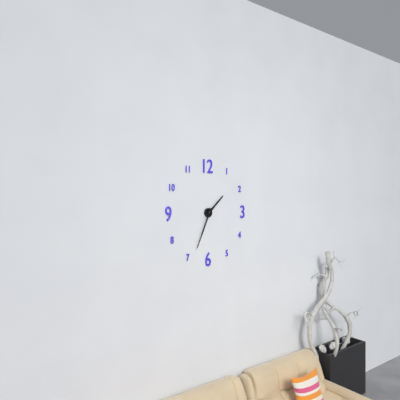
1:34
